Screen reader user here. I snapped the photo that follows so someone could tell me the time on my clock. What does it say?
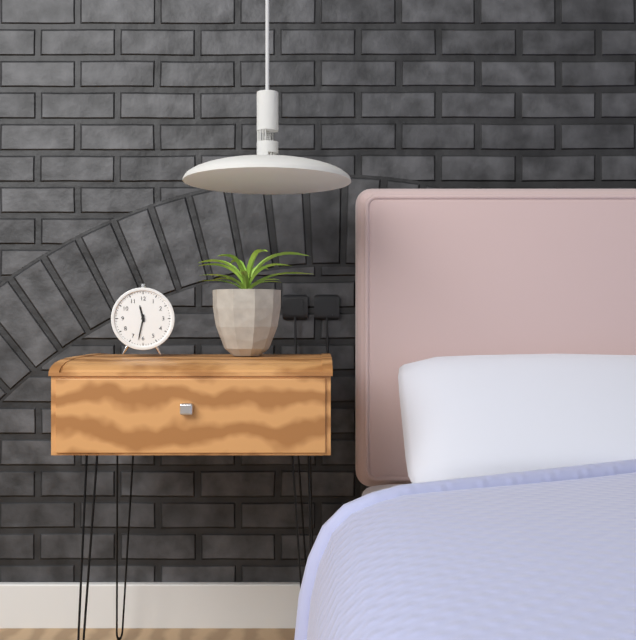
11:32
